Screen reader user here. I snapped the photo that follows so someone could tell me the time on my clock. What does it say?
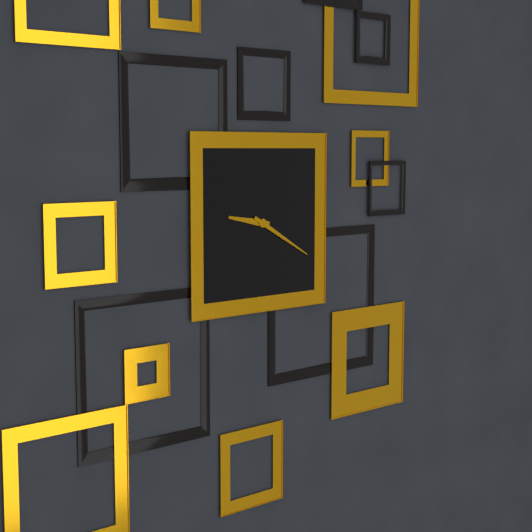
9:20
